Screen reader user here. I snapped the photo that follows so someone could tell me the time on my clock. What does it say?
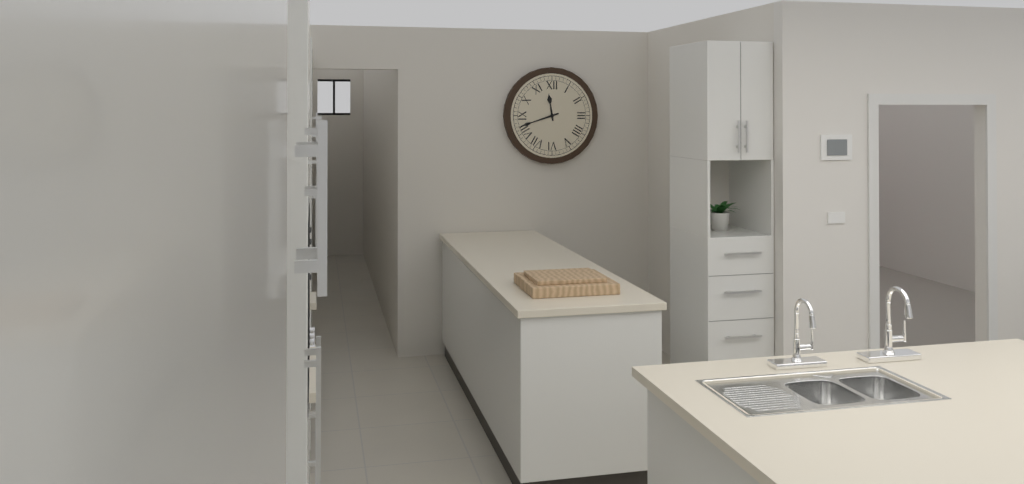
11:42
